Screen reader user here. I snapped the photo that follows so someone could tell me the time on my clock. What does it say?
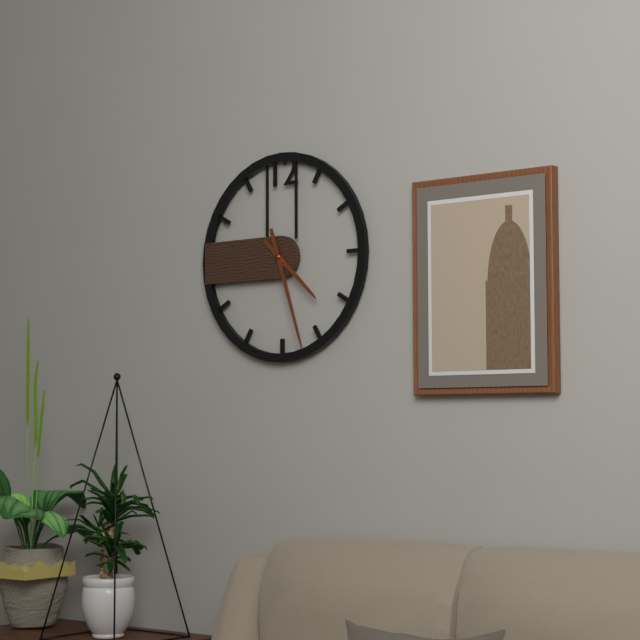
4:27
